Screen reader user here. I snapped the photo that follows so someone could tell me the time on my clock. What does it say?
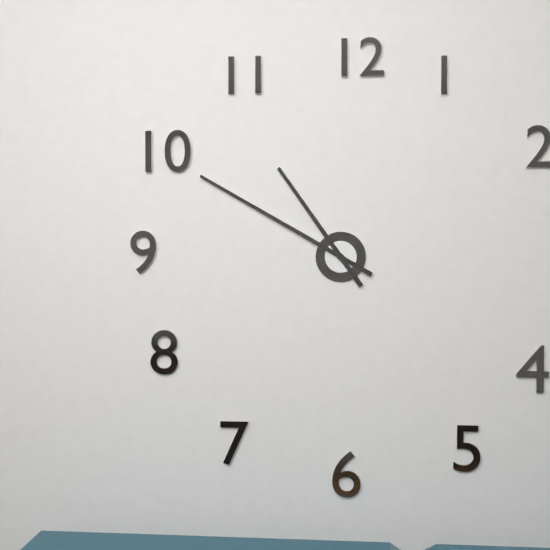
10:50
